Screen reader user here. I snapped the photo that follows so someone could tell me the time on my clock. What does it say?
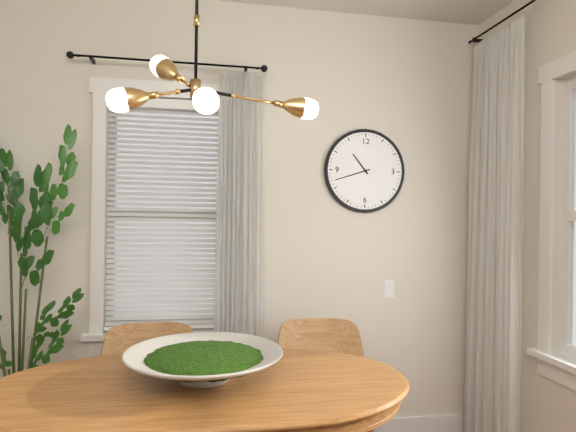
10:42
